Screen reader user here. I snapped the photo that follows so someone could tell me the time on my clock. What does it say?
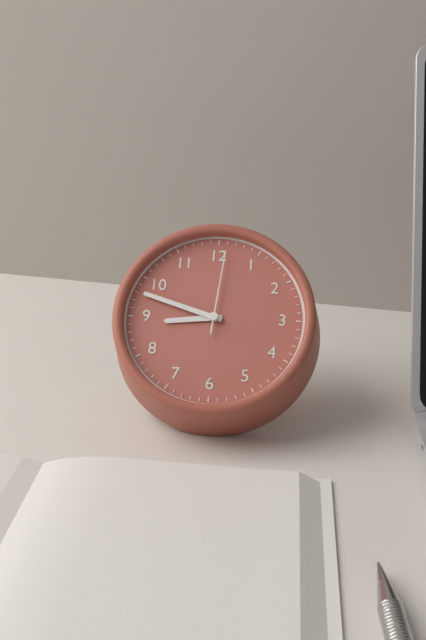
8:48:01
